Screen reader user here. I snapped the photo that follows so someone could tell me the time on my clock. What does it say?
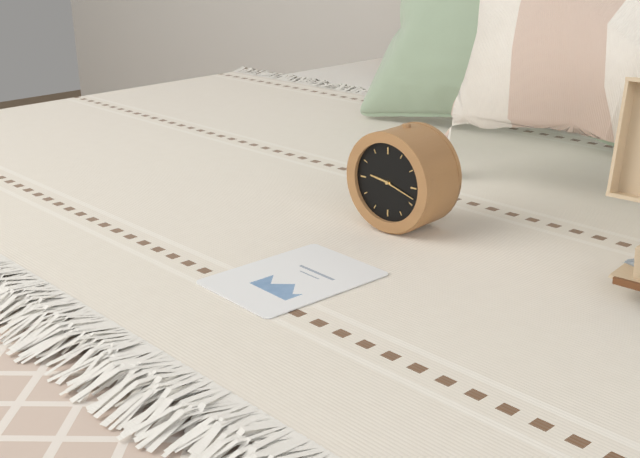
9:18
